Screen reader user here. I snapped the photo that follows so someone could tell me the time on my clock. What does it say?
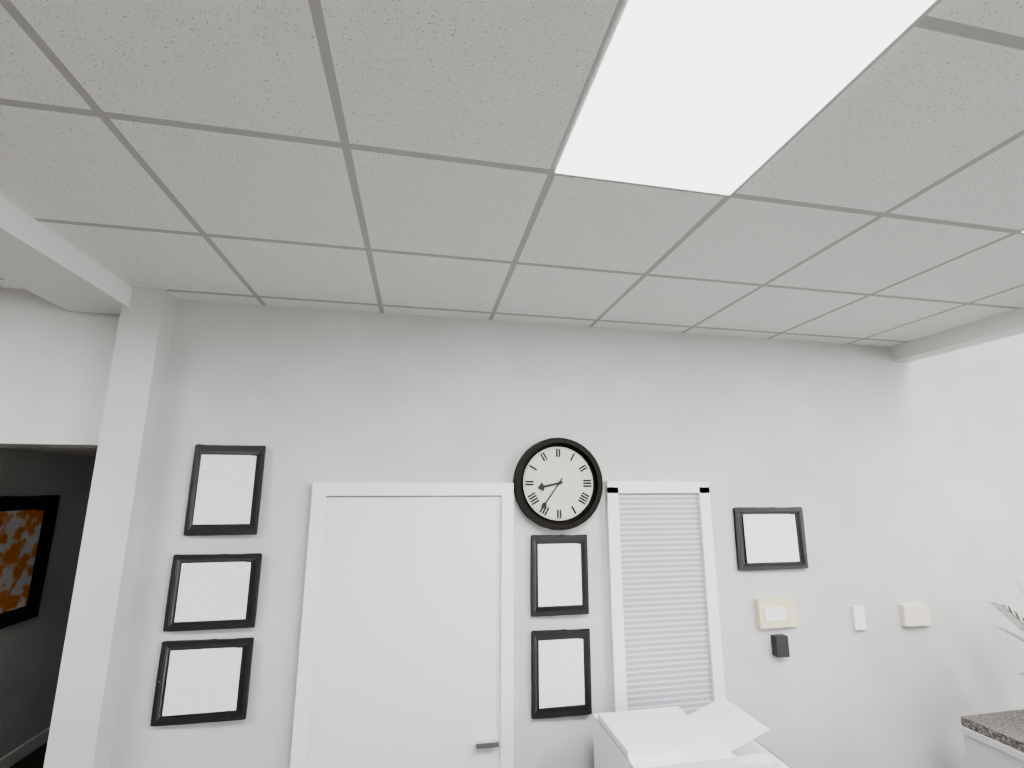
8:36
